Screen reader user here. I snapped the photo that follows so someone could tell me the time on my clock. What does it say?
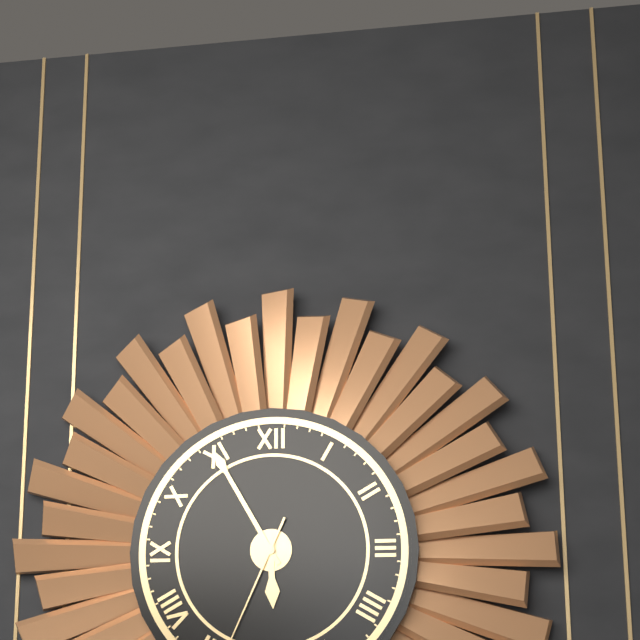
5:55
